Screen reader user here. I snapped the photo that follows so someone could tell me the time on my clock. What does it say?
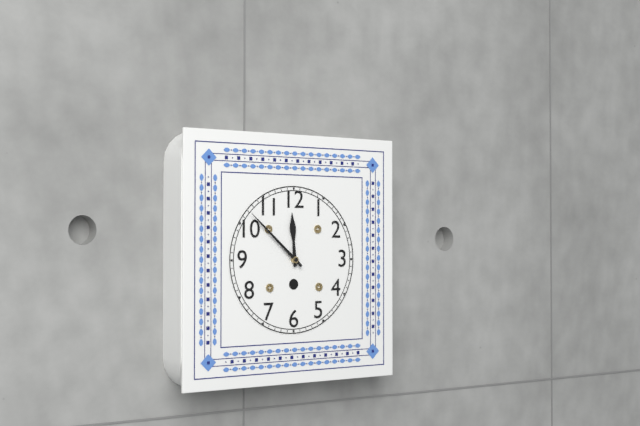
11:52
